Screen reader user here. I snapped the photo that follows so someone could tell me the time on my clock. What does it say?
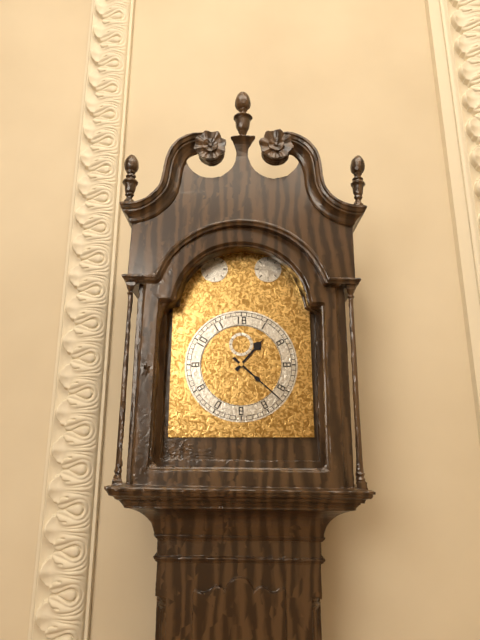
1:22
